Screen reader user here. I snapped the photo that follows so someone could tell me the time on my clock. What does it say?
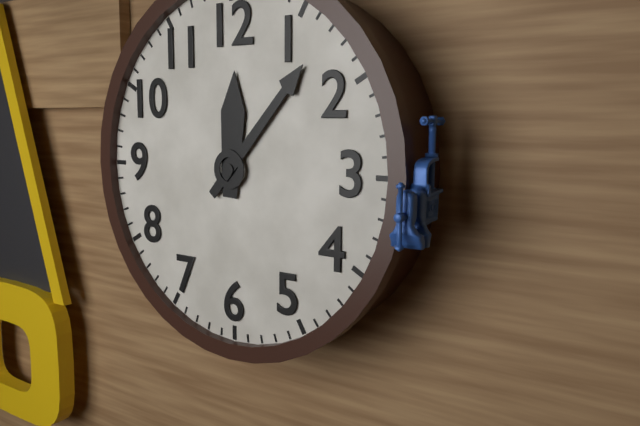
12:07
